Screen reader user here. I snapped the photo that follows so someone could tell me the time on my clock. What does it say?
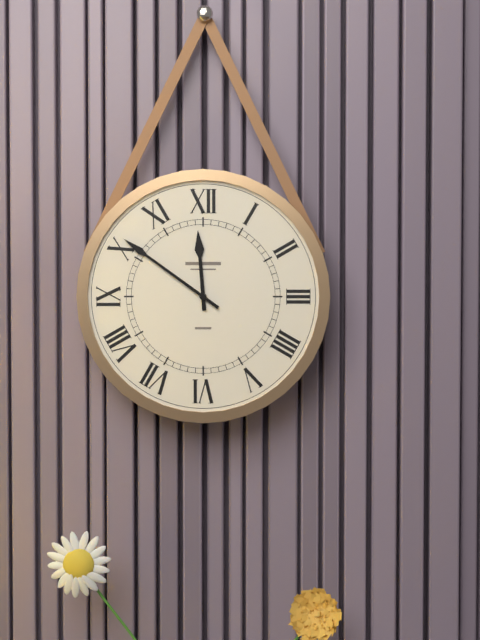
11:51
